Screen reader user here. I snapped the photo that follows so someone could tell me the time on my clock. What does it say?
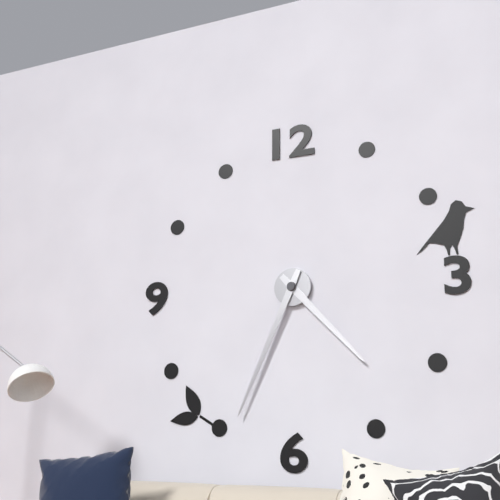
4:34
